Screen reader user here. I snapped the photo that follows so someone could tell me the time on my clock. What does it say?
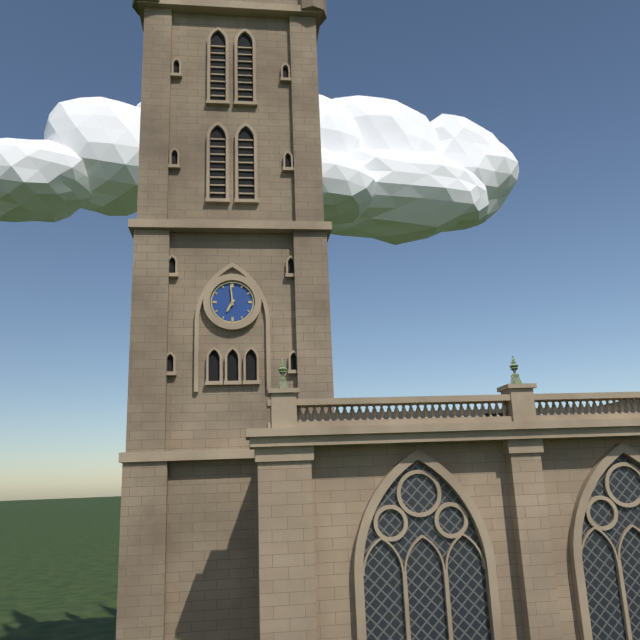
6:59
